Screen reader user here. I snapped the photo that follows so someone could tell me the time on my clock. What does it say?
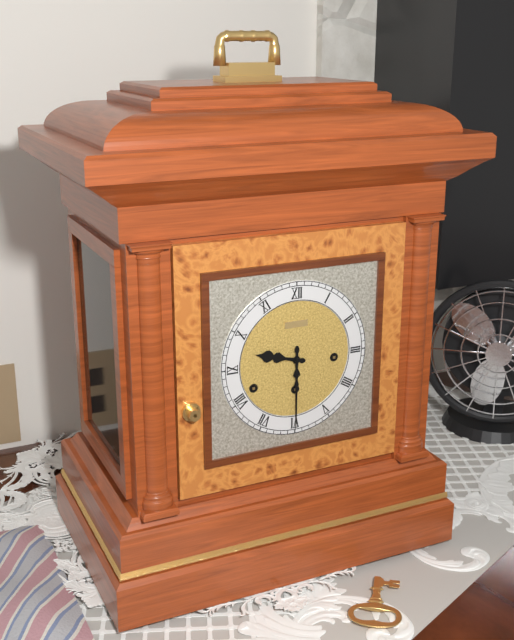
9:30
